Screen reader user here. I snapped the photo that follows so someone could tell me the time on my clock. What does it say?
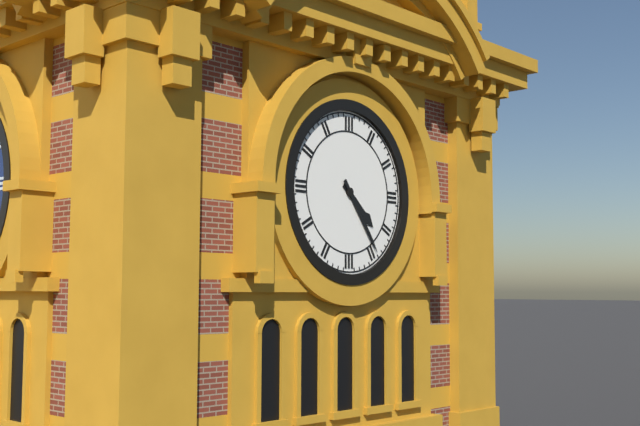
4:24
